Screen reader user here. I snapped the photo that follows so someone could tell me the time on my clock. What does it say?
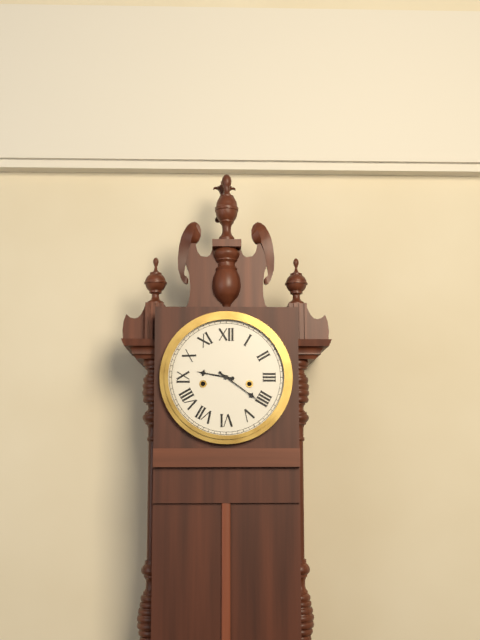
9:21
